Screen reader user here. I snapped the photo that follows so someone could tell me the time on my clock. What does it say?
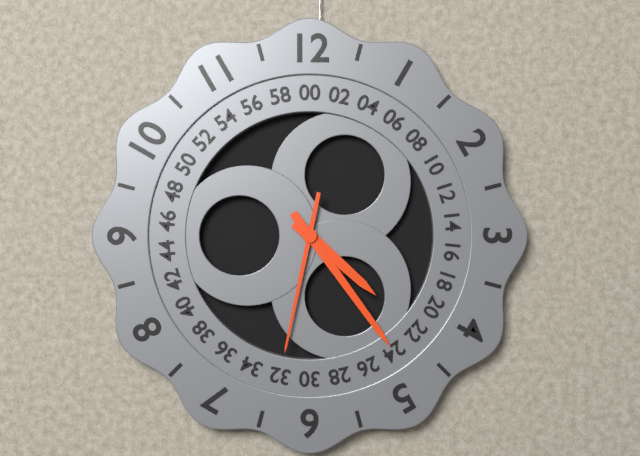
4:24:32
